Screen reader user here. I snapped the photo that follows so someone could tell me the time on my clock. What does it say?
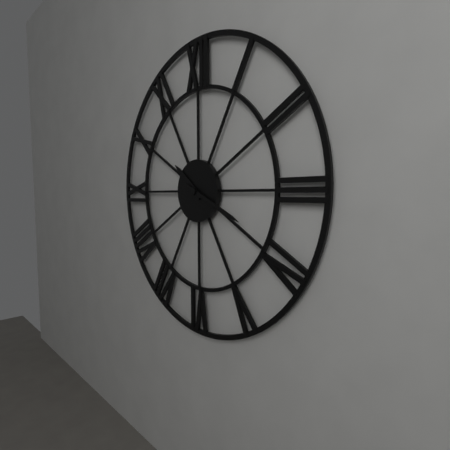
10:19
